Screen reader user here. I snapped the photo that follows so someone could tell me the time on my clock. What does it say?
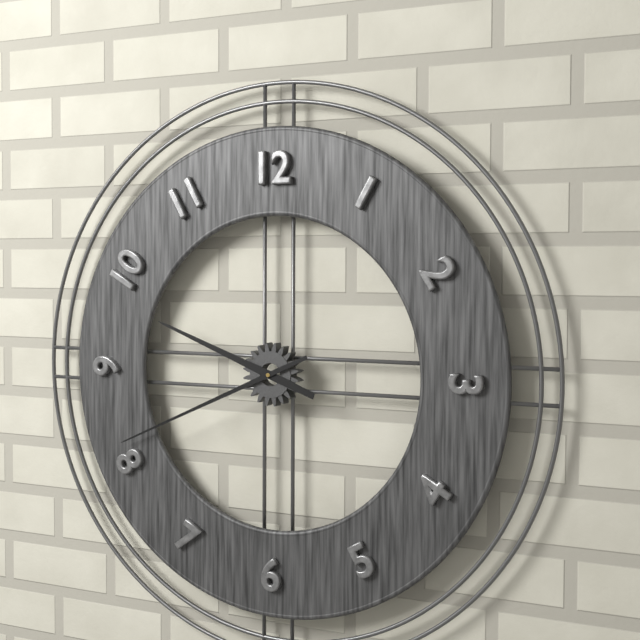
9:41
